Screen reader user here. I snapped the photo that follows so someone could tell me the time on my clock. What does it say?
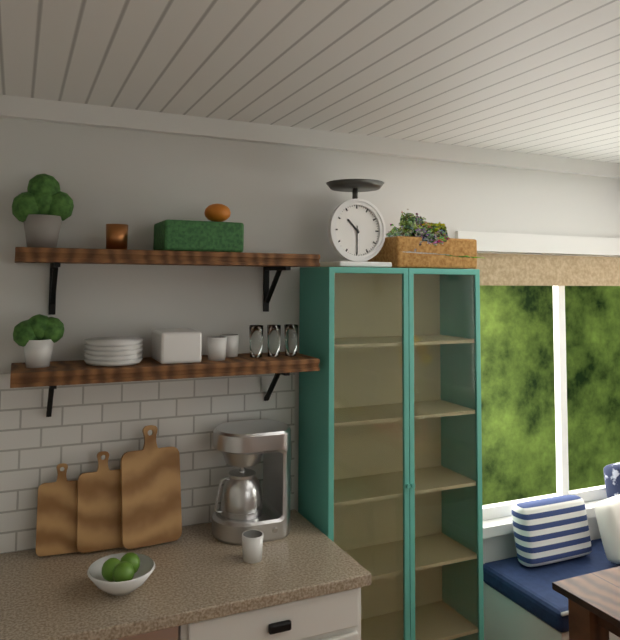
10:30
